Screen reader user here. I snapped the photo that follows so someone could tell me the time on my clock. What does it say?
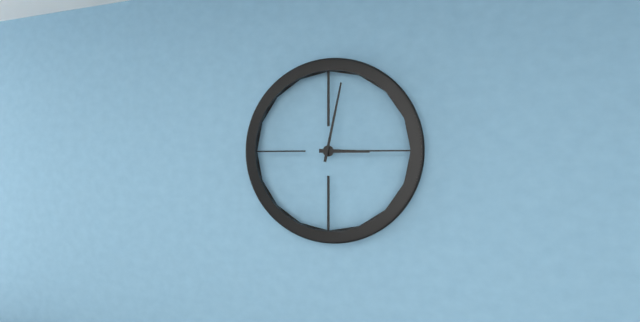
3:02
